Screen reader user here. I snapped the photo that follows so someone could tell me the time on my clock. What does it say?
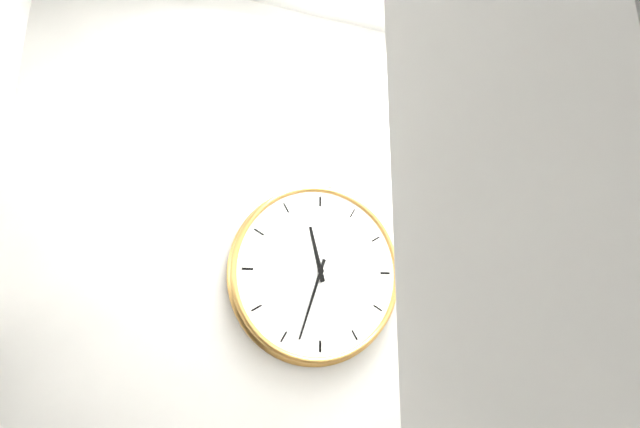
11:33
